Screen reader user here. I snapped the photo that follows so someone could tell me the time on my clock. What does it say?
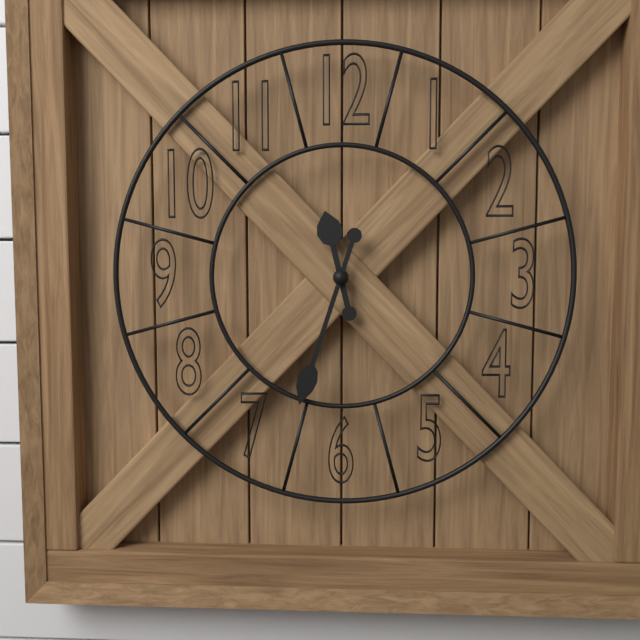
11:33
